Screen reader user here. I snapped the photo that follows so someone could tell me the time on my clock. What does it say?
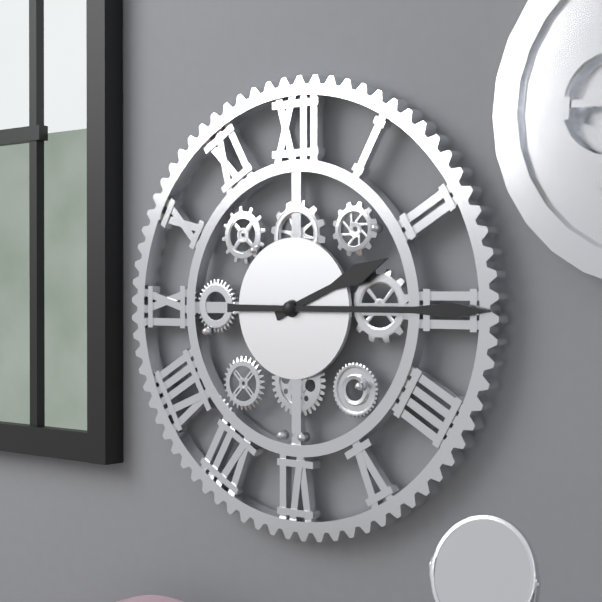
2:15
